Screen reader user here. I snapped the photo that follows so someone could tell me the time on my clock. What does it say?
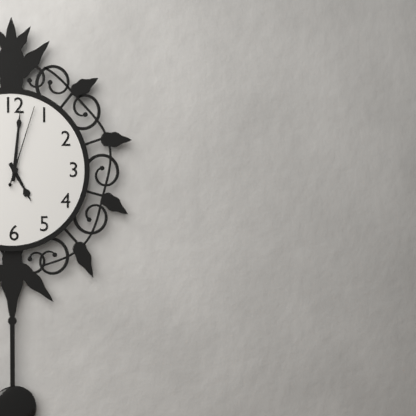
5:01:03
